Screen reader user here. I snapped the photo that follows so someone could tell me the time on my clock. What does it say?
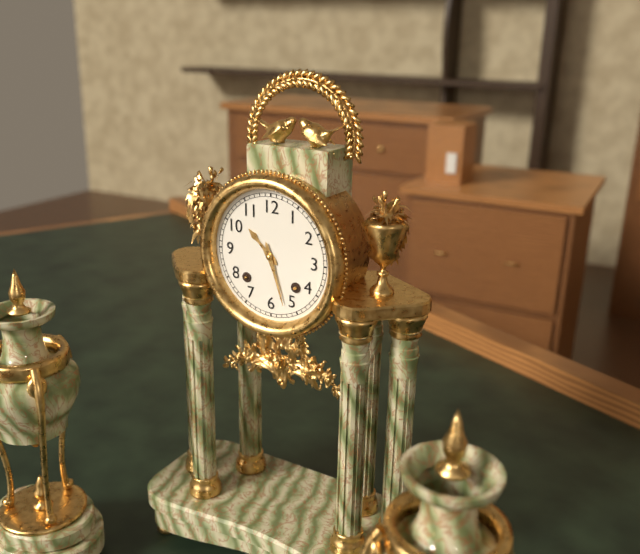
10:27
